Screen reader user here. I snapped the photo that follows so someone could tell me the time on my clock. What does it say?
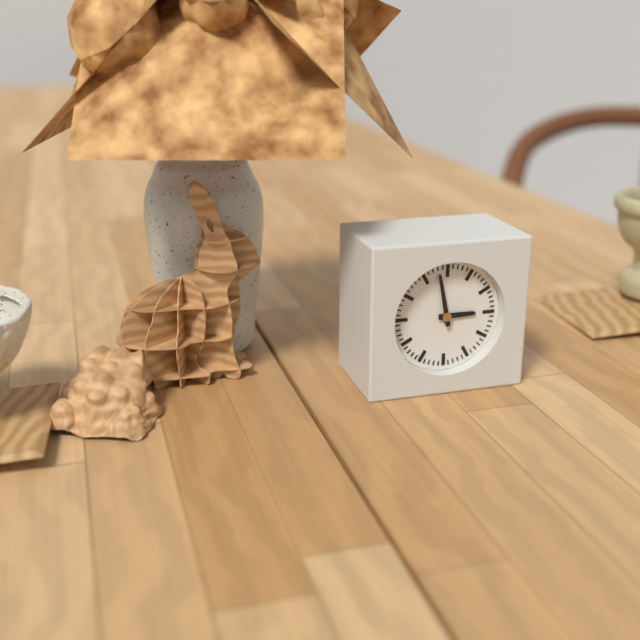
2:58
